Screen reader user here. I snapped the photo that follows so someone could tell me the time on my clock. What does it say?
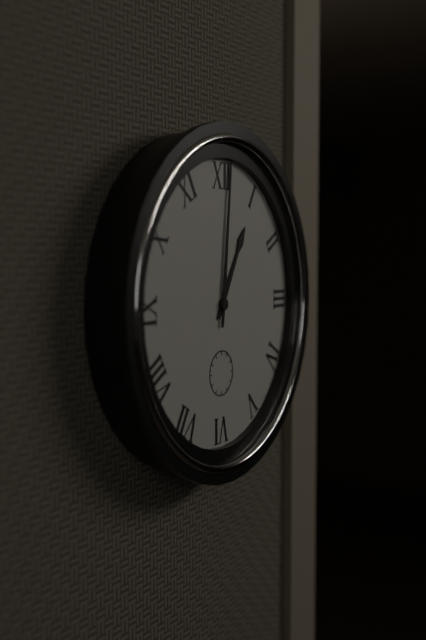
1:01
